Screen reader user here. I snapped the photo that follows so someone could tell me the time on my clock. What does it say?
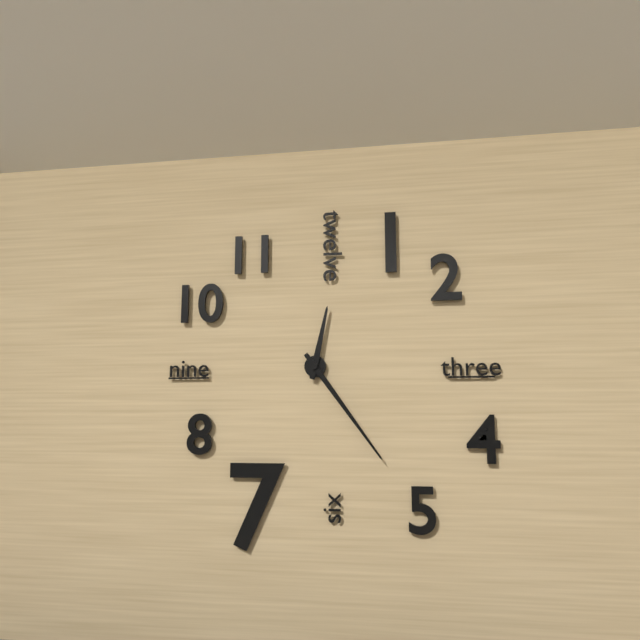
12:24
